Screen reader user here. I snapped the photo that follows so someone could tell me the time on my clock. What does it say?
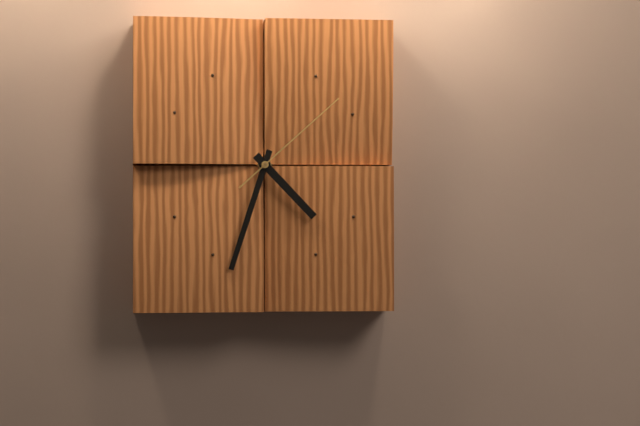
4:33:08
